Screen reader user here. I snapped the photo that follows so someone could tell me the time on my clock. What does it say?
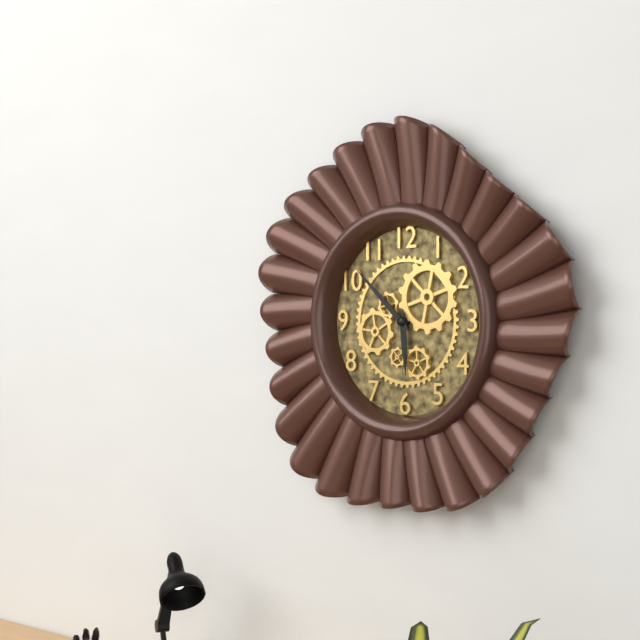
5:52
